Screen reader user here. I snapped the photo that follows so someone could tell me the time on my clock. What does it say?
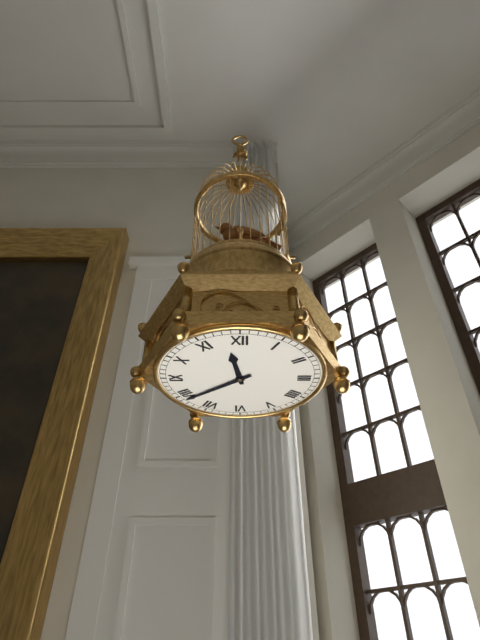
11:39
